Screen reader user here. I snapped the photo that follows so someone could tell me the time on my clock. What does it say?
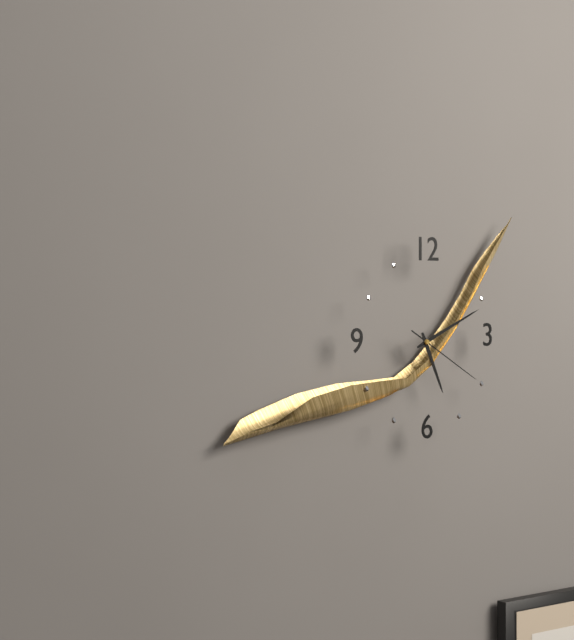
5:11:20
